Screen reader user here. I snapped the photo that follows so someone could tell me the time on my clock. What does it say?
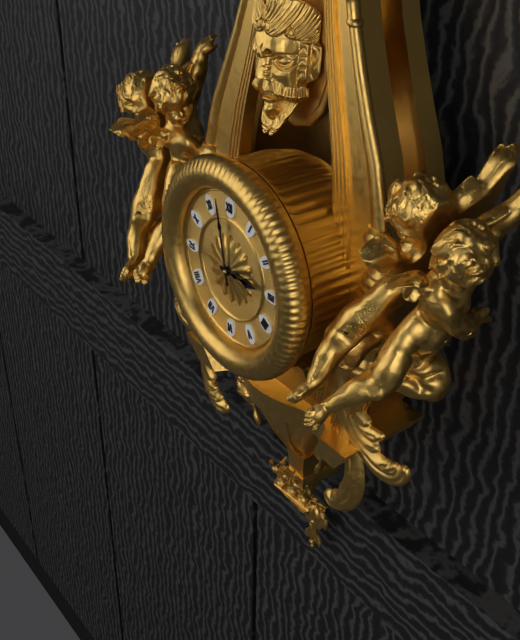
2:58
